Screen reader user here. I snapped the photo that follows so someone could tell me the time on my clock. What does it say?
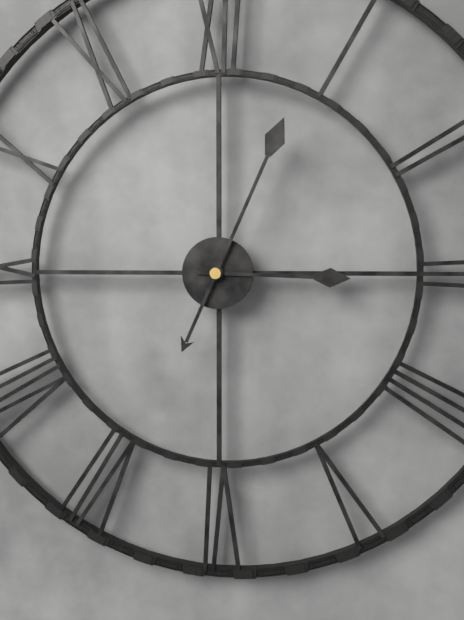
3:04
